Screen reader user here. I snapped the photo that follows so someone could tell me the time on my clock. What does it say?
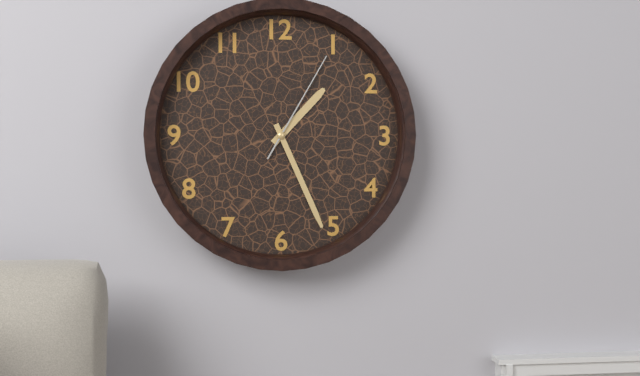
1:26:05
